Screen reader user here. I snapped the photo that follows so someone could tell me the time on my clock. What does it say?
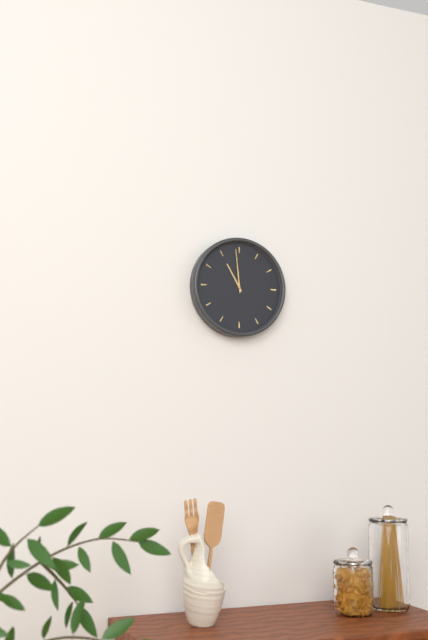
10:59
